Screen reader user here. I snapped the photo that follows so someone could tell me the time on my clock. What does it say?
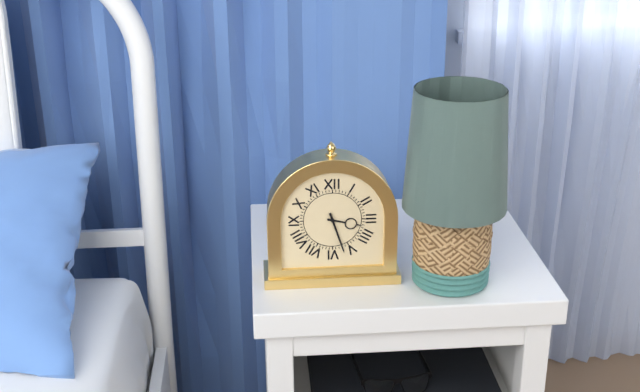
3:27
